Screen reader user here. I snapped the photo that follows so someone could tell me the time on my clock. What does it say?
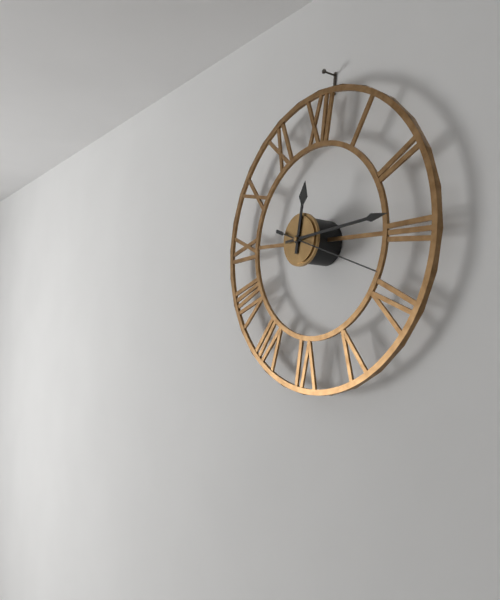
12:14:18
